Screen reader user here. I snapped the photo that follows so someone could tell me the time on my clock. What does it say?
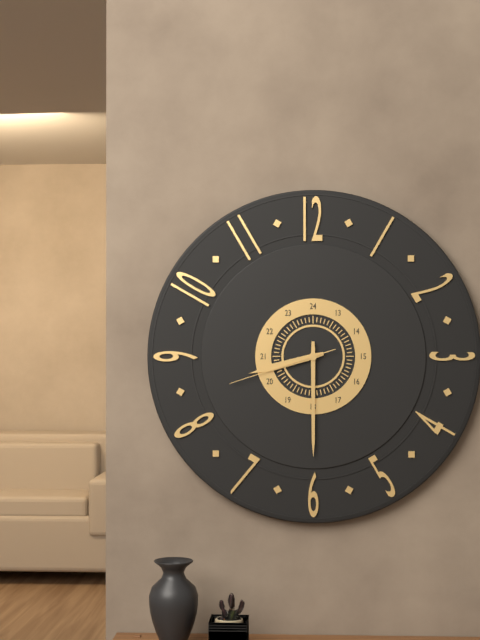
8:30:42
